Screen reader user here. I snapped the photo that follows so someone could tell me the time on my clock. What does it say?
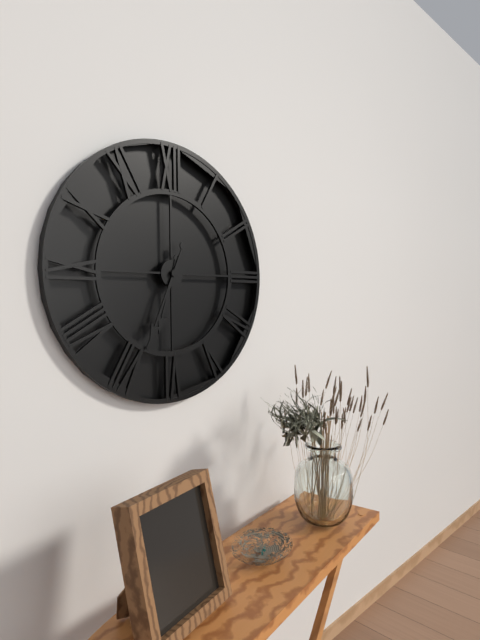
6:34
